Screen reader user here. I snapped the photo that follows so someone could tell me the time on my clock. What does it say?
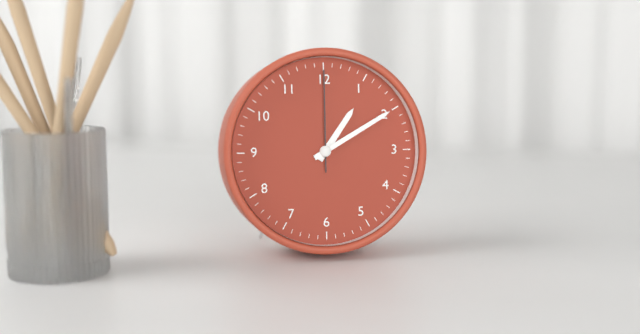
1:10:00
